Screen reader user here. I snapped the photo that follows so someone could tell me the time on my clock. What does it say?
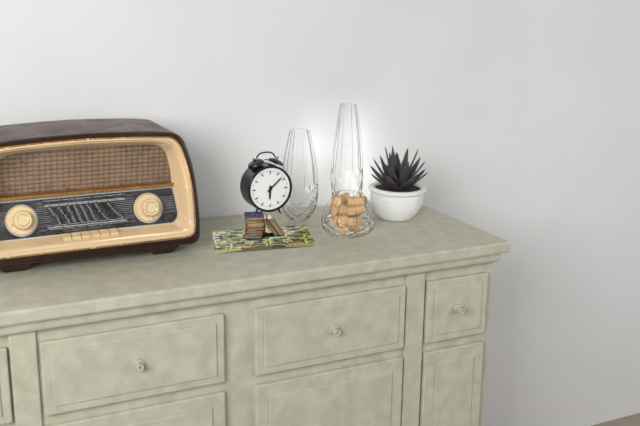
6:08
